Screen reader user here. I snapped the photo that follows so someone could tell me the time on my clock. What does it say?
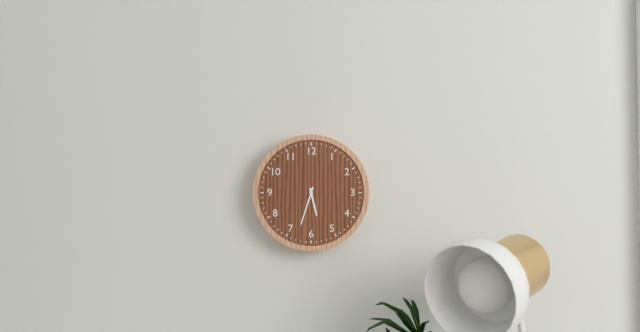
5:33
